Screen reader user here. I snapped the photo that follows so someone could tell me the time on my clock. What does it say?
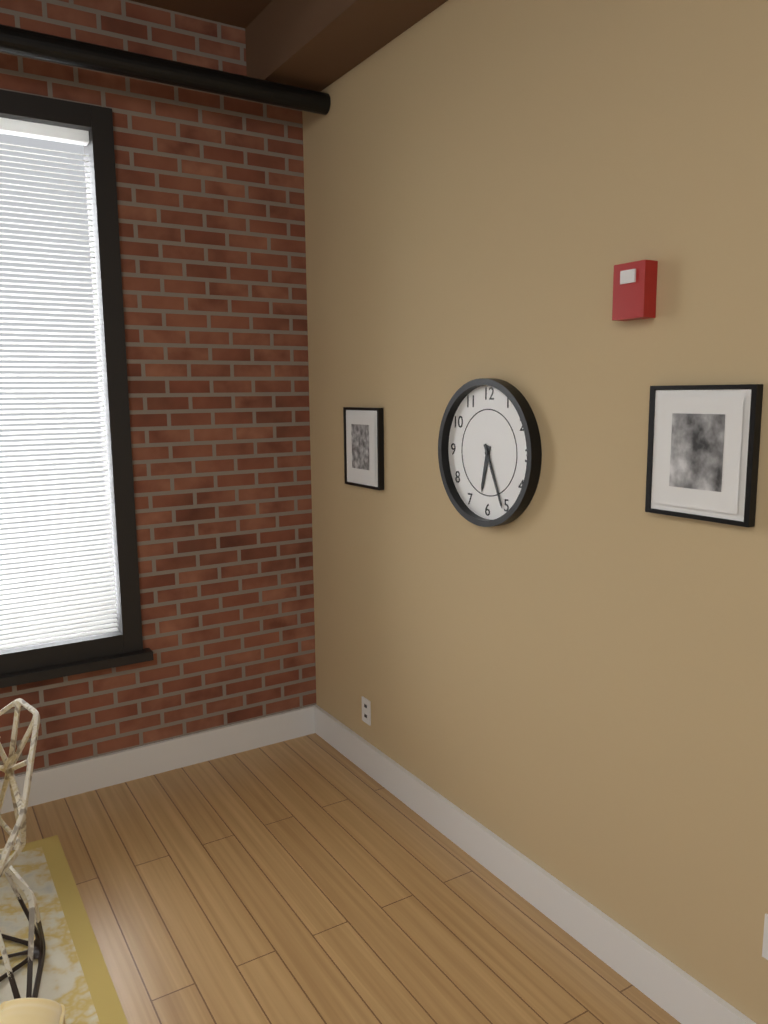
6:26
